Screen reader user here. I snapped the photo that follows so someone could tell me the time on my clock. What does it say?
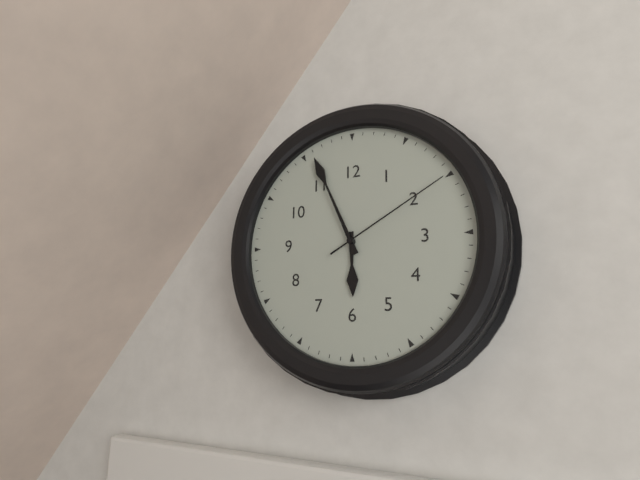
5:56:10
